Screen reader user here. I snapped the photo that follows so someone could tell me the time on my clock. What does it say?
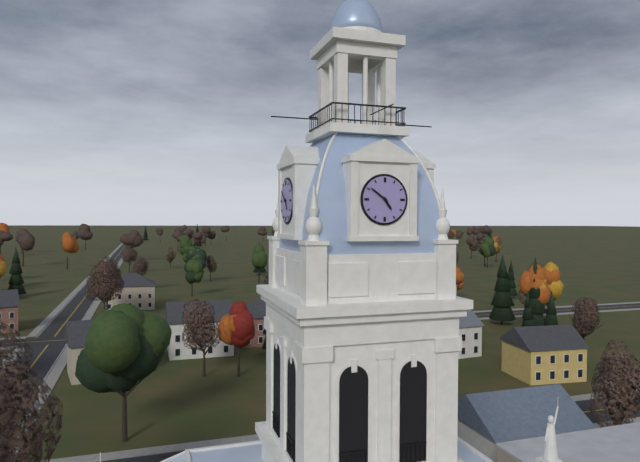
4:51
